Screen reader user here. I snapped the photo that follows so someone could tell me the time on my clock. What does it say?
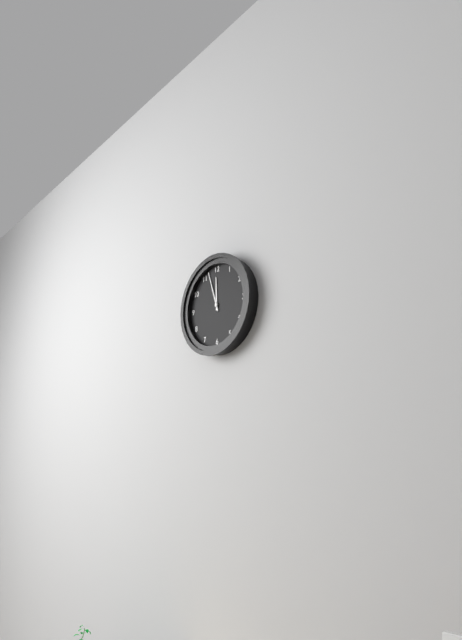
11:57
